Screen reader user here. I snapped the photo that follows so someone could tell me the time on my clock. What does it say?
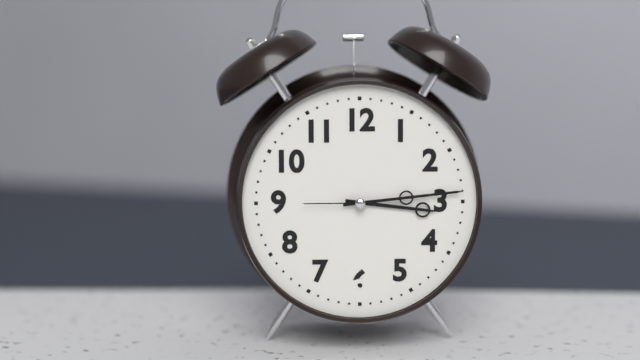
3:14:45
